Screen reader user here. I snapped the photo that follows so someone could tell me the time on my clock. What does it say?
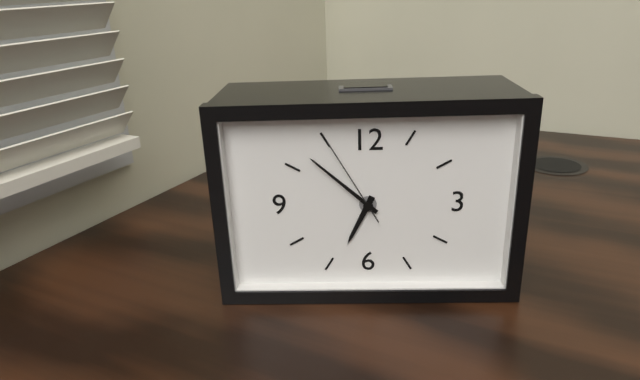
6:52:55
